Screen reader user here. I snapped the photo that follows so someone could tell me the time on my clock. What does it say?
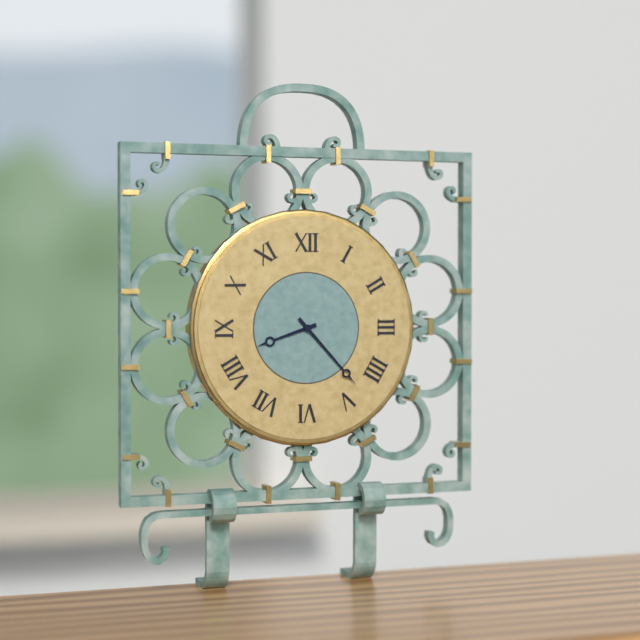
8:23
